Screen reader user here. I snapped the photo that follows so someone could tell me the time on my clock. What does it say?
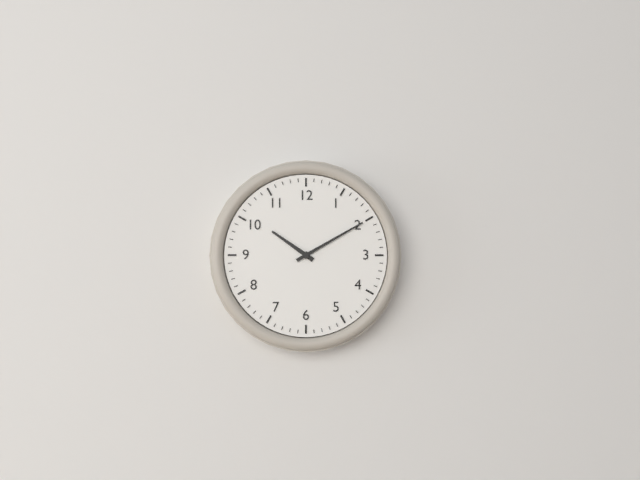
10:10
